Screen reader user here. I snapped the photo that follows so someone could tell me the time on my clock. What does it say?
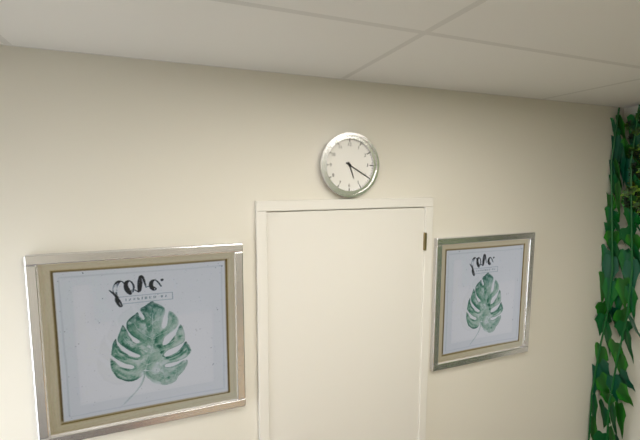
5:20
